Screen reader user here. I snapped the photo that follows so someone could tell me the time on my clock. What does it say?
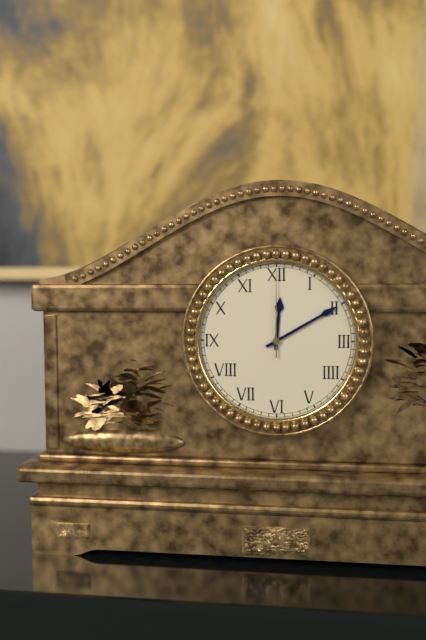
12:10:00
